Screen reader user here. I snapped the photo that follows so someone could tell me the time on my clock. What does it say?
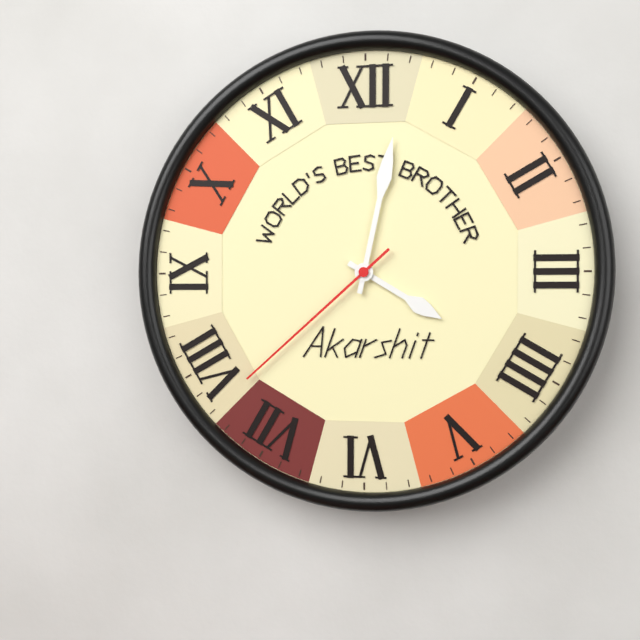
4:02:38
